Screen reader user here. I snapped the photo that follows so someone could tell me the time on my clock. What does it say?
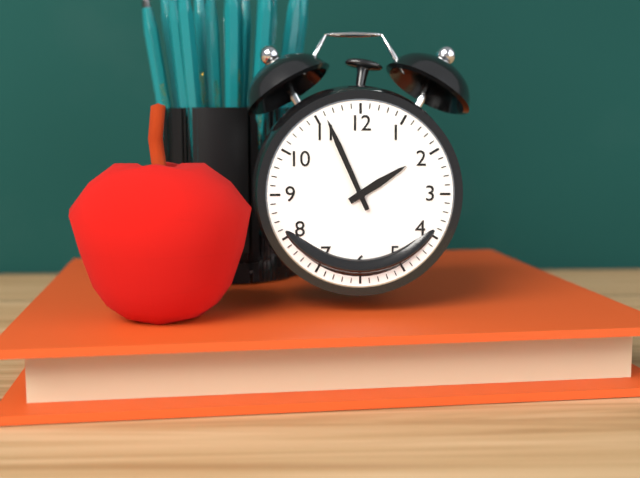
1:56
